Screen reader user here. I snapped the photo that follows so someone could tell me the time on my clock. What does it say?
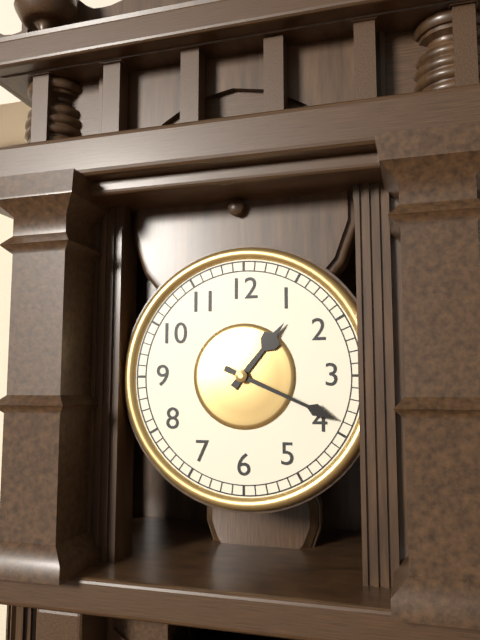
1:19
